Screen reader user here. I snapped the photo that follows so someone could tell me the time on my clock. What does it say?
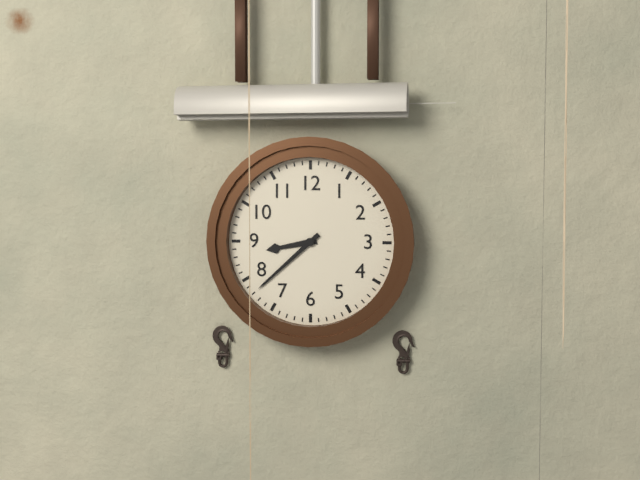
8:38
